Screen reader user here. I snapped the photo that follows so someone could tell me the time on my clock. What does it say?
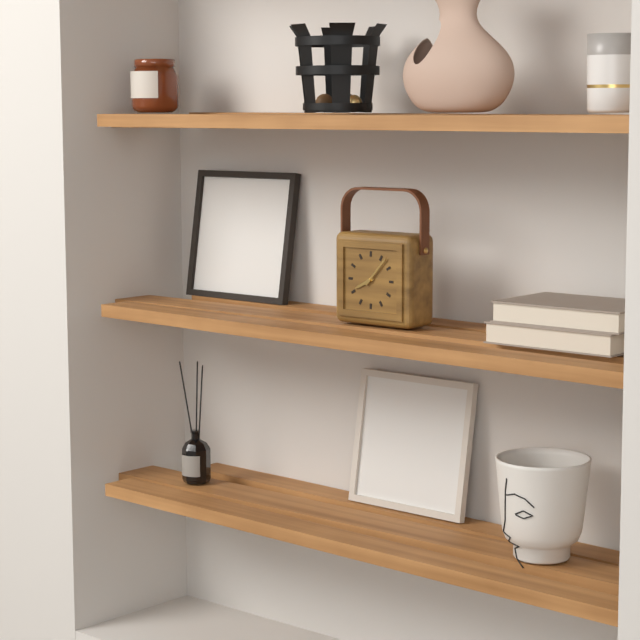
8:07
